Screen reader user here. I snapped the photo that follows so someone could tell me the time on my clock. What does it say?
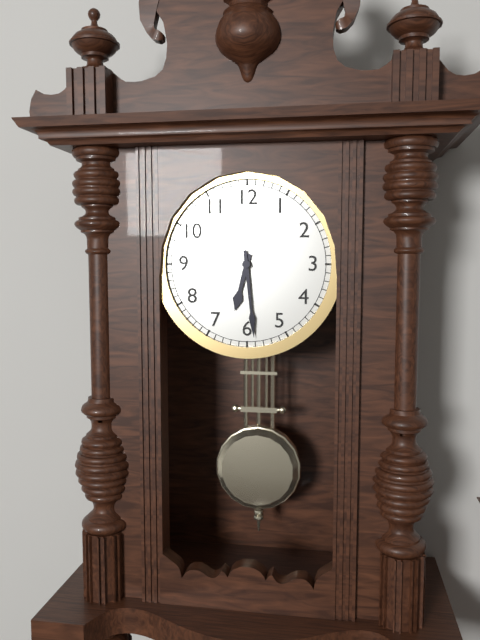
6:29
